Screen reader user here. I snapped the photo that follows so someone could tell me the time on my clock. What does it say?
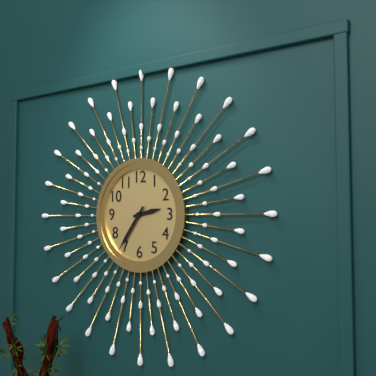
2:36
